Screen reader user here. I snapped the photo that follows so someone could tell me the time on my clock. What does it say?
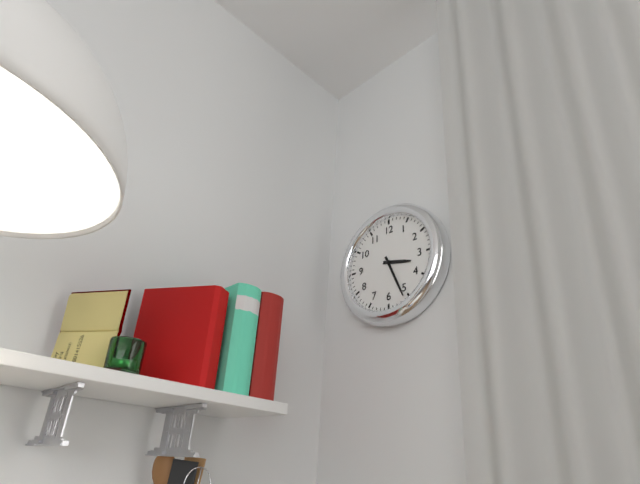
3:26
